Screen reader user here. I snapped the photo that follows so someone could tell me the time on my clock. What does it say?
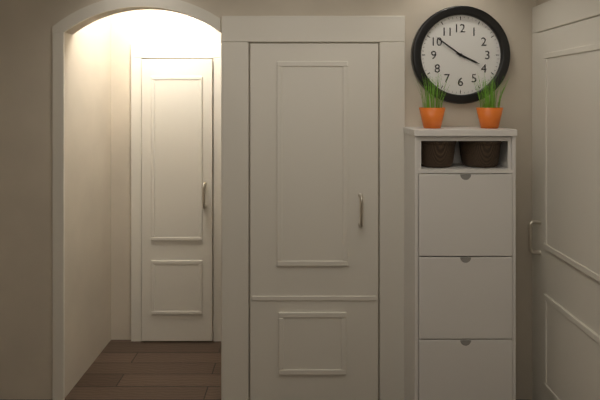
3:51
